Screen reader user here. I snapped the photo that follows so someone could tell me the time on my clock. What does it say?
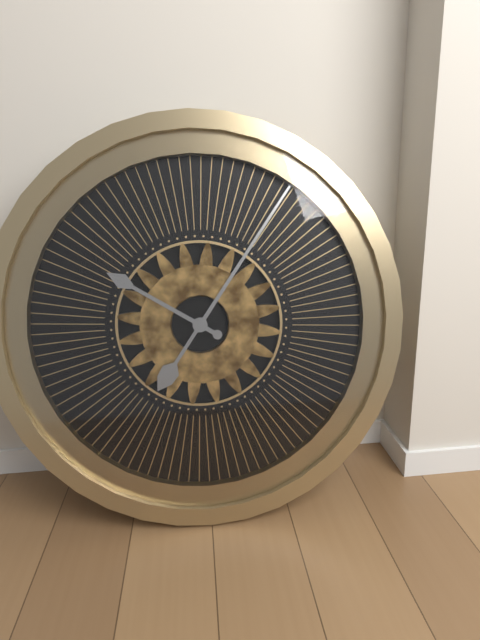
10:06
